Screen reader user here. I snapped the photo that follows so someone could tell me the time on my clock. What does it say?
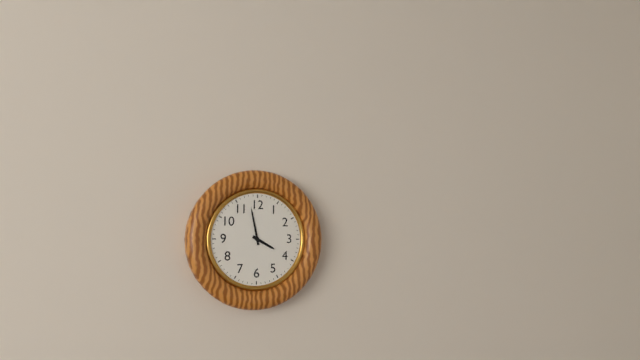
3:58
